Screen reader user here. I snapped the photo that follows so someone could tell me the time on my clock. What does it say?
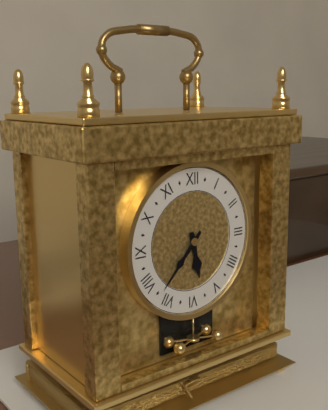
5:37
